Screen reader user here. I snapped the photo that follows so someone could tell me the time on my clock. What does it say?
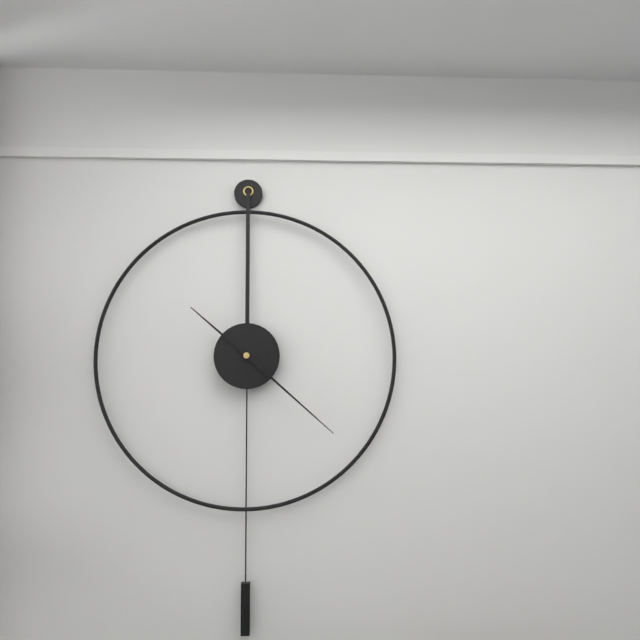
10:22
